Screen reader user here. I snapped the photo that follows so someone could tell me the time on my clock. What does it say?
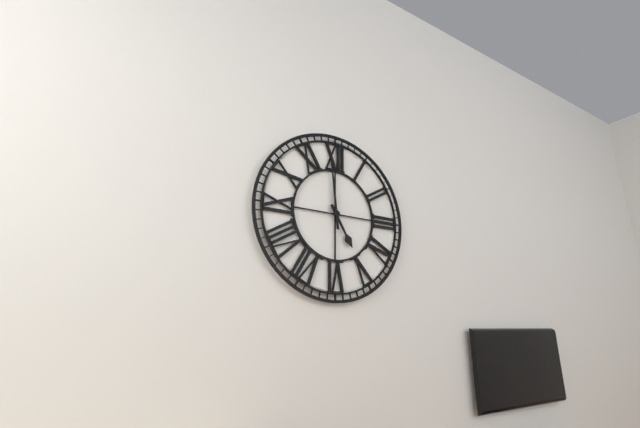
4:59
